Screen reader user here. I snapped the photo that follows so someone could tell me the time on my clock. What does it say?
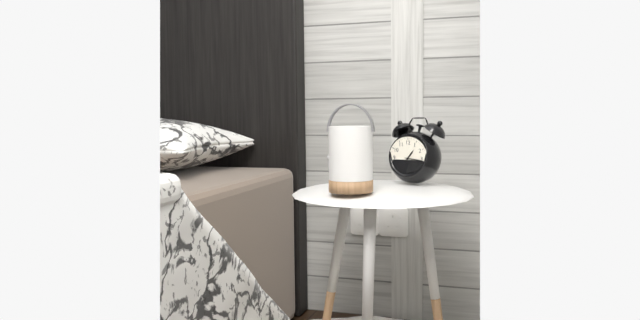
1:16
